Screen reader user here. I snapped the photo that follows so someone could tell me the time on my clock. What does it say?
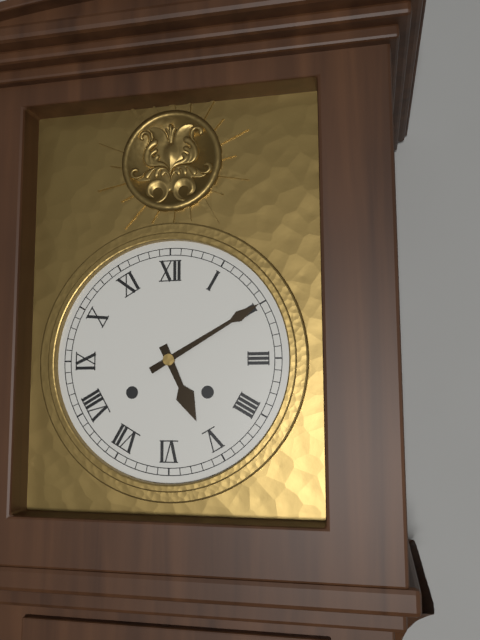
5:10
